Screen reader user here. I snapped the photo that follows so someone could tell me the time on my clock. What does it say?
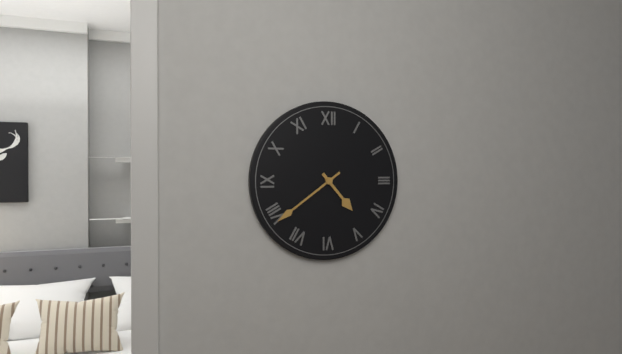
4:39
